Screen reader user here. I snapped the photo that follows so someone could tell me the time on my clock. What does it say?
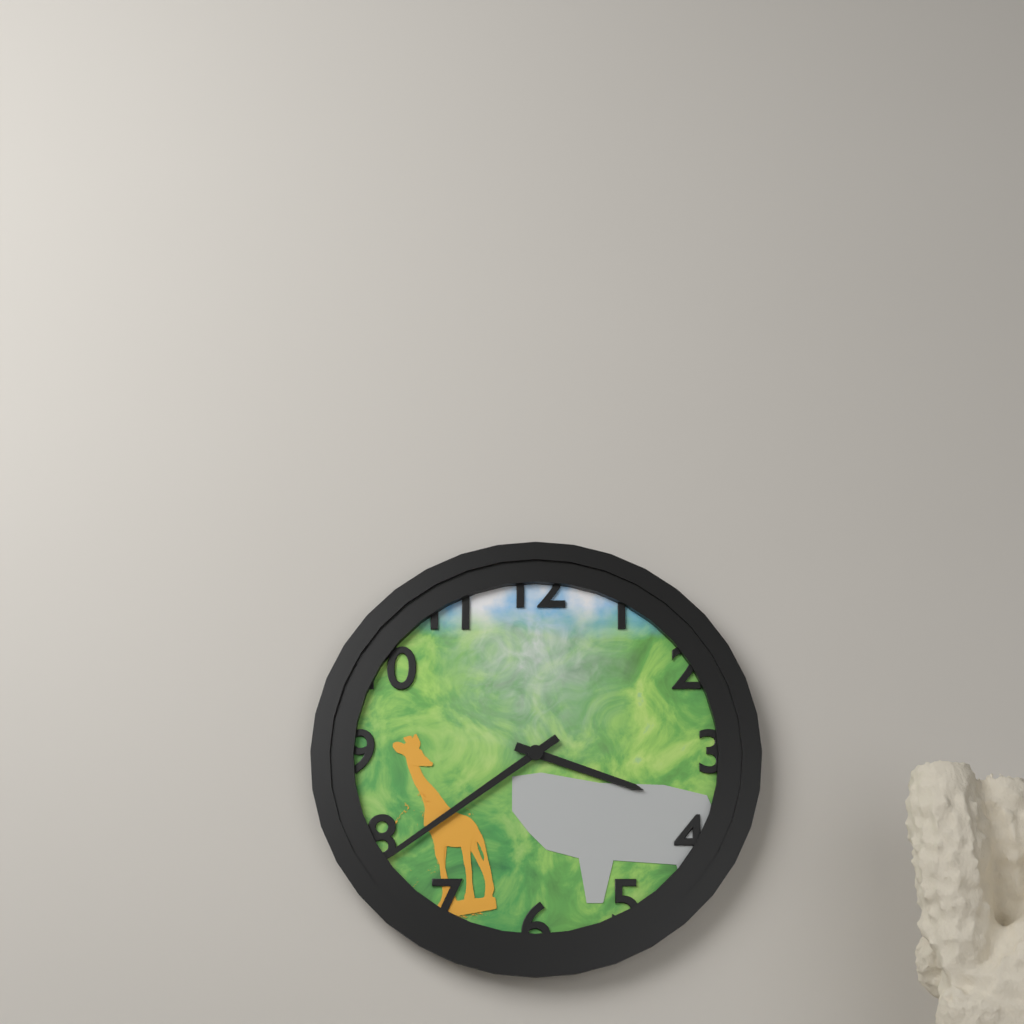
3:39
